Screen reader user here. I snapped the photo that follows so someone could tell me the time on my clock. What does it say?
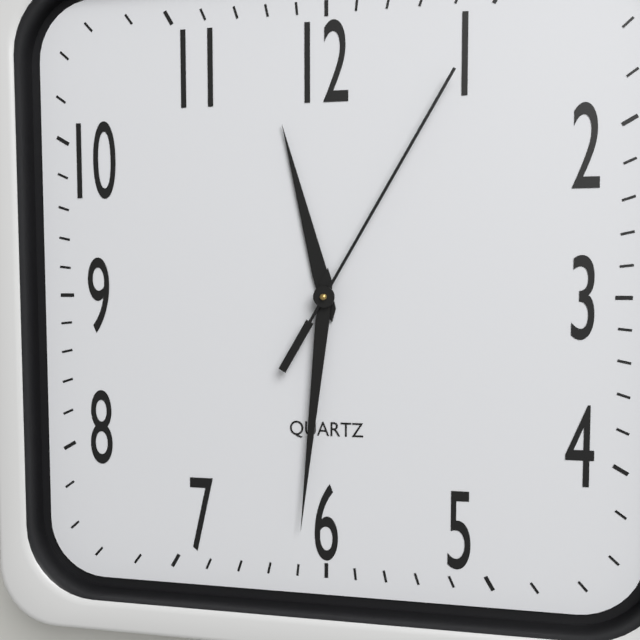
11:31:05
